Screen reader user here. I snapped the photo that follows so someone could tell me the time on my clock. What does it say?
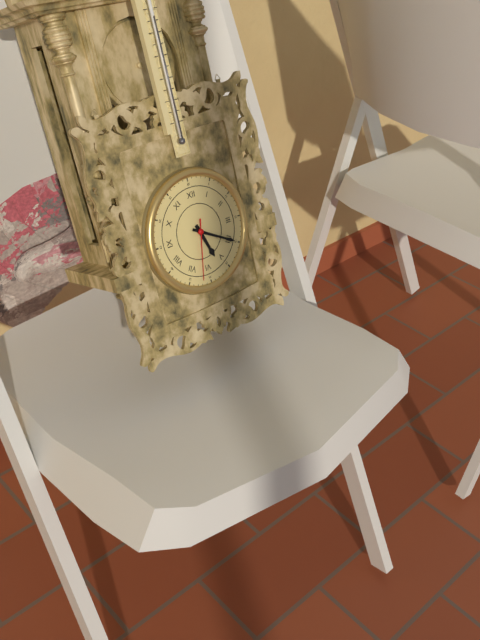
5:20:32
